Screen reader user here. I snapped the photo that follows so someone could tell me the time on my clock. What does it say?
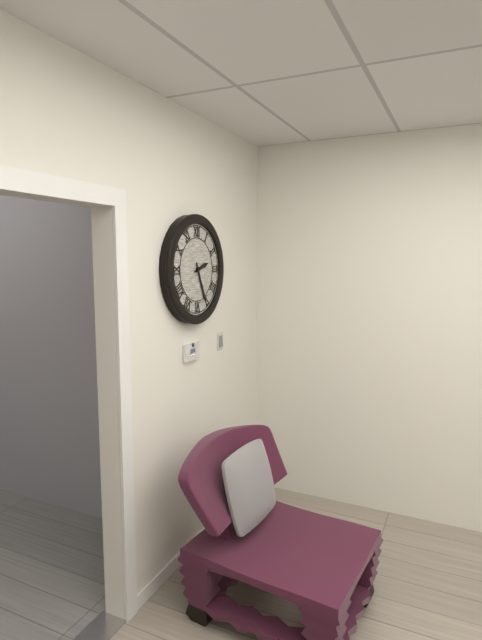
2:26
